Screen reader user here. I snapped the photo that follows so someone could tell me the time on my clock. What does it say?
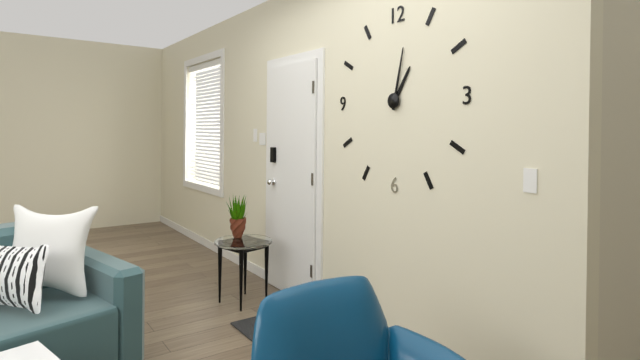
1:02
